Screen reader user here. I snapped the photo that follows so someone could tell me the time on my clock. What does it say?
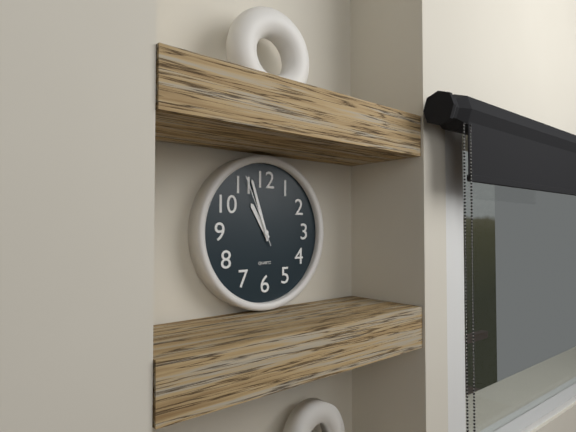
10:57:56
